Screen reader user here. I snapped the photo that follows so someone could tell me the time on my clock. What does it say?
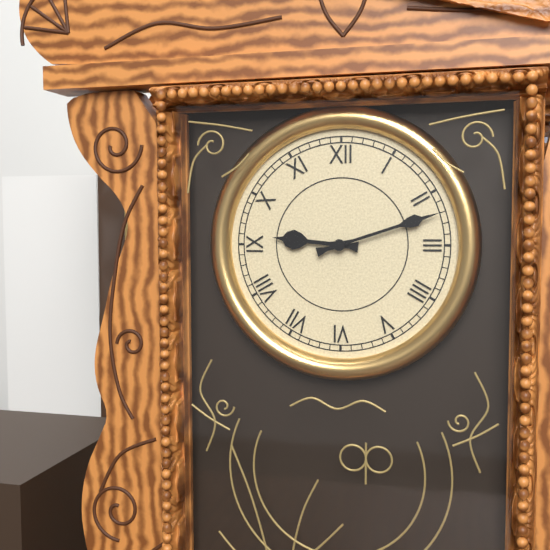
9:12
